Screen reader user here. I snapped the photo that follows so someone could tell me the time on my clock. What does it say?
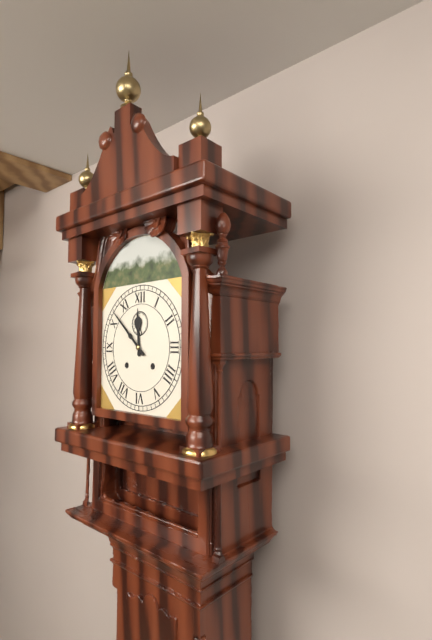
11:52
